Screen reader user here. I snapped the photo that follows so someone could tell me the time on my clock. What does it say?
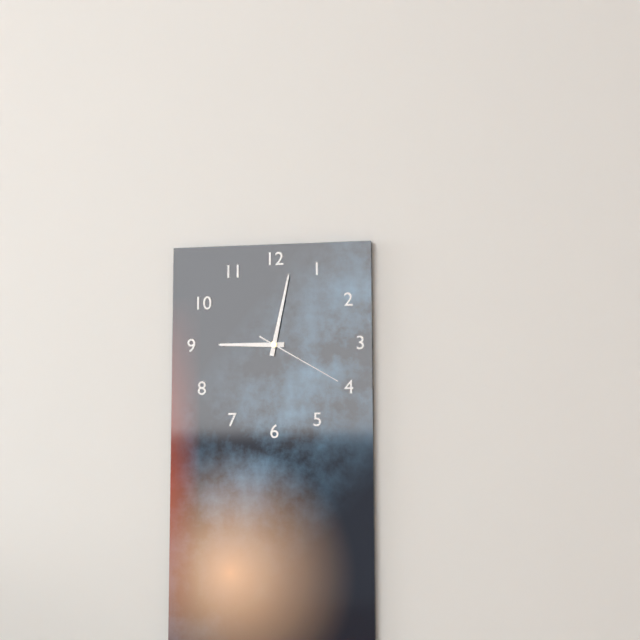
9:02:20
